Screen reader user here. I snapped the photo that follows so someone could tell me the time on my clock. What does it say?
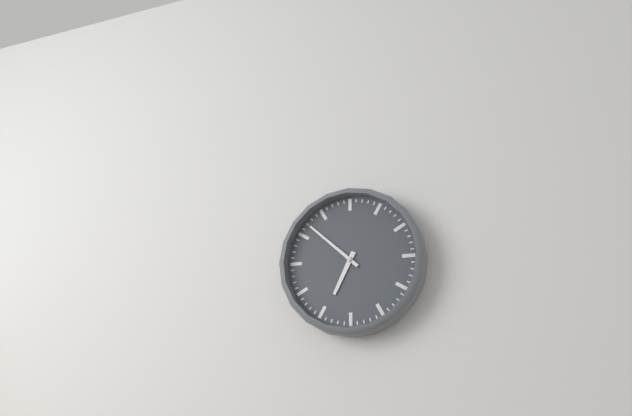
6:52
